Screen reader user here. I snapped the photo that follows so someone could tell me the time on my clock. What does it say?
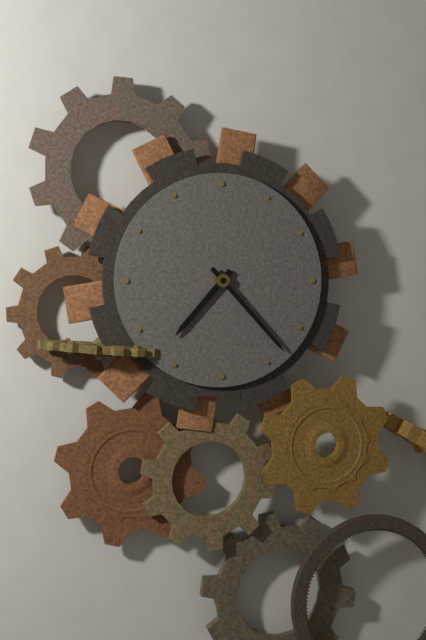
7:23
